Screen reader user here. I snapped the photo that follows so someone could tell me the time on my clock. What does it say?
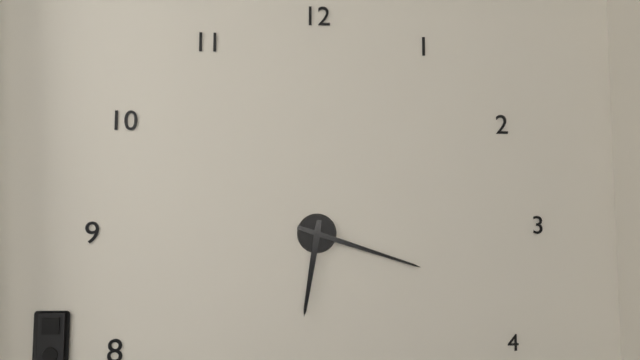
6:18
